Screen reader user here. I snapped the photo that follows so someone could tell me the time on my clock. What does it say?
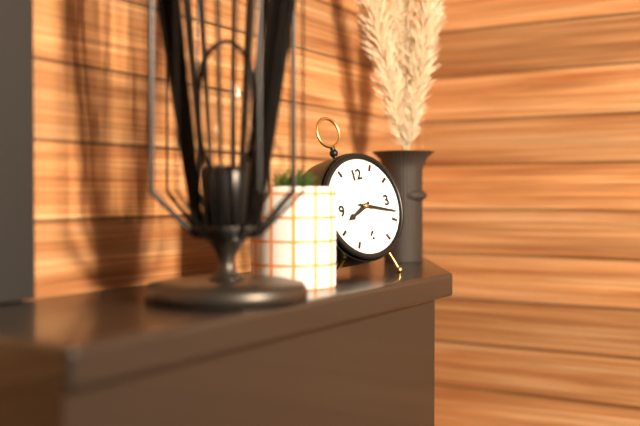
8:18
